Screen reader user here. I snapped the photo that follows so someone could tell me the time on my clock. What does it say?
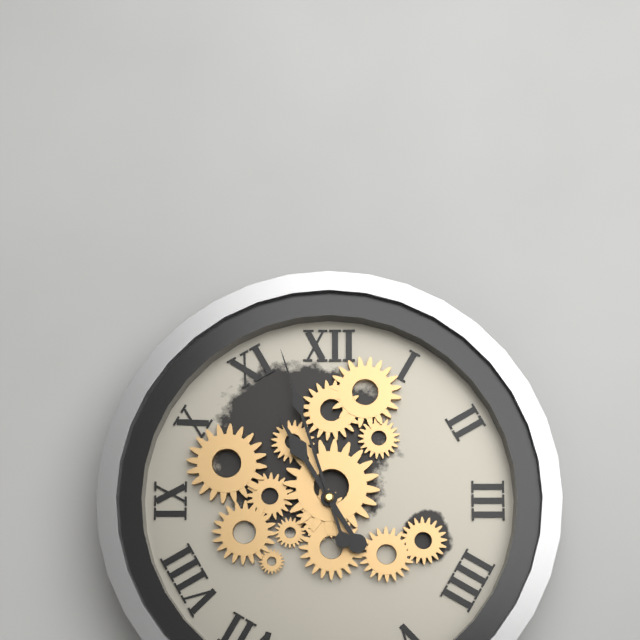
10:57
